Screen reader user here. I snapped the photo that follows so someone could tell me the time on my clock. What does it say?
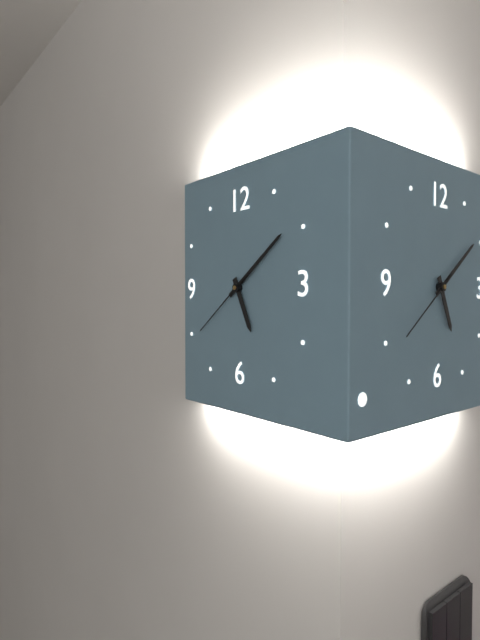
5:09:39
